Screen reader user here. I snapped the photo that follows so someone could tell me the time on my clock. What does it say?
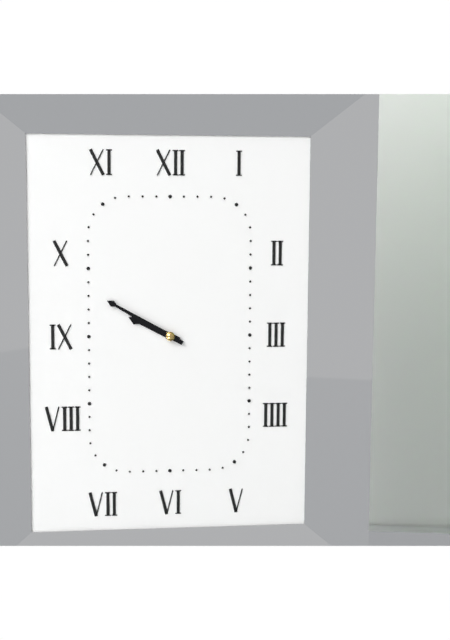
9:50
